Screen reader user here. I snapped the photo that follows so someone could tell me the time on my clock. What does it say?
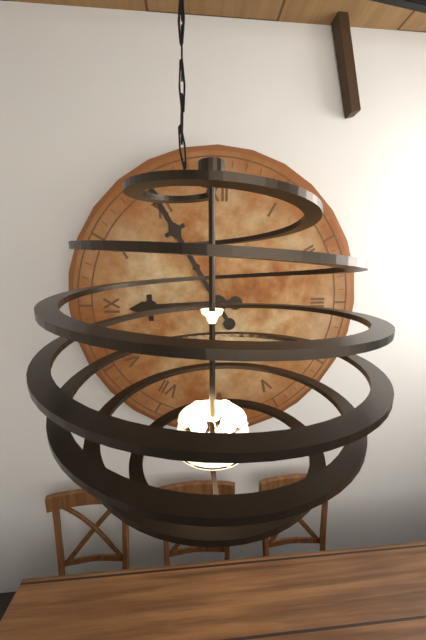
8:55
